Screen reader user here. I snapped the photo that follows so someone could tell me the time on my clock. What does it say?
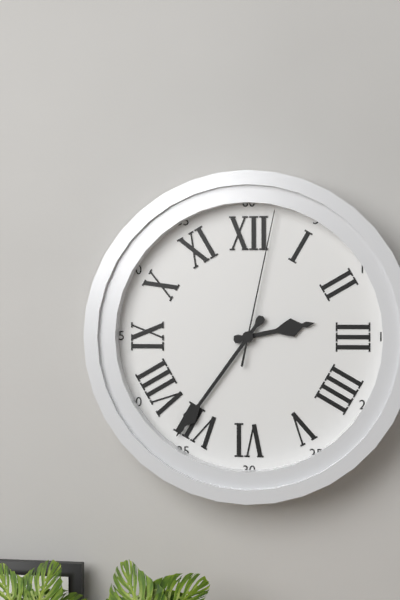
2:36:02
